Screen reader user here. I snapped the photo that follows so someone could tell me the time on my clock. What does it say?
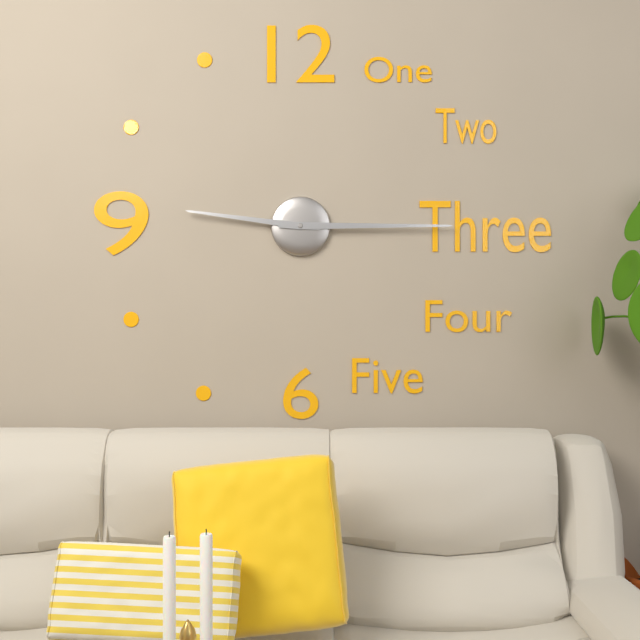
9:15
